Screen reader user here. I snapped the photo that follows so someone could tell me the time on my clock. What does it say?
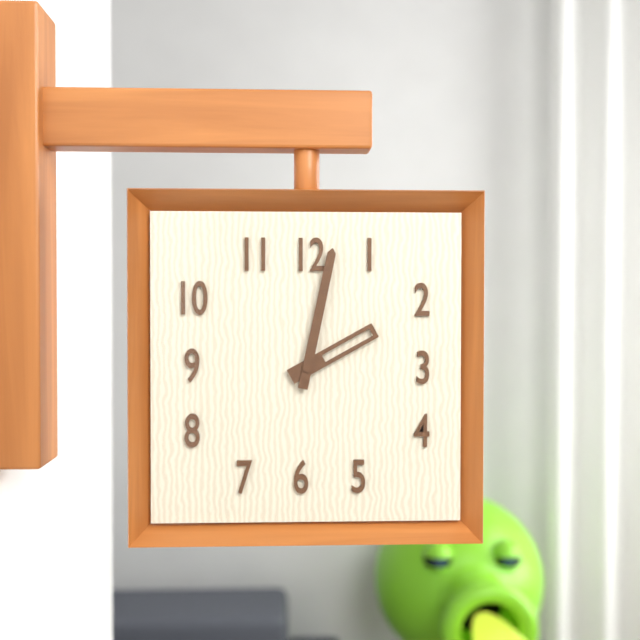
2:02
